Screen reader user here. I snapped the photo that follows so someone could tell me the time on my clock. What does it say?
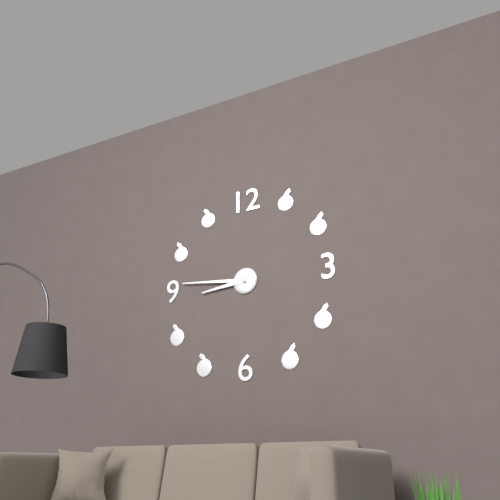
8:46
